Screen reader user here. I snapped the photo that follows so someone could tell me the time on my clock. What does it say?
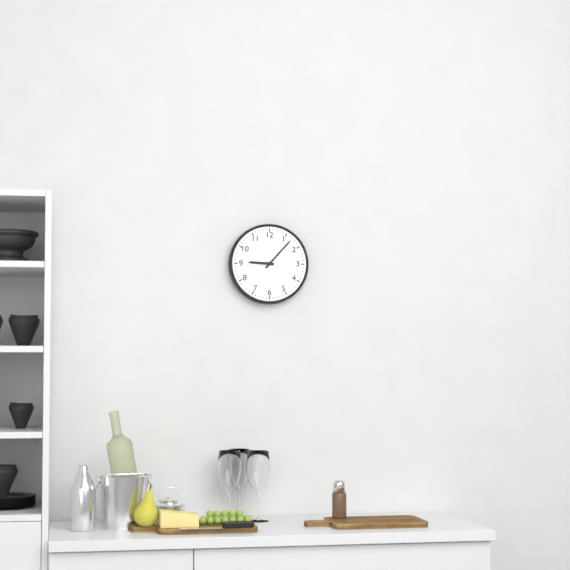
9:07
